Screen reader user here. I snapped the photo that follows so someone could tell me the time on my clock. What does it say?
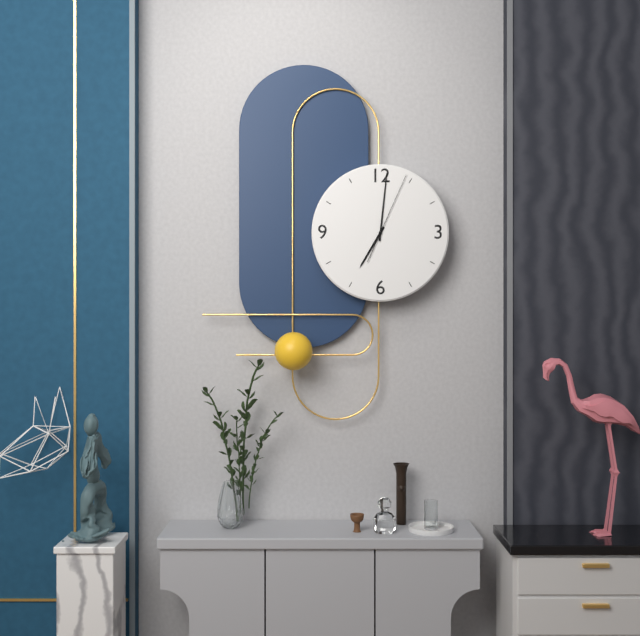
7:01:04
